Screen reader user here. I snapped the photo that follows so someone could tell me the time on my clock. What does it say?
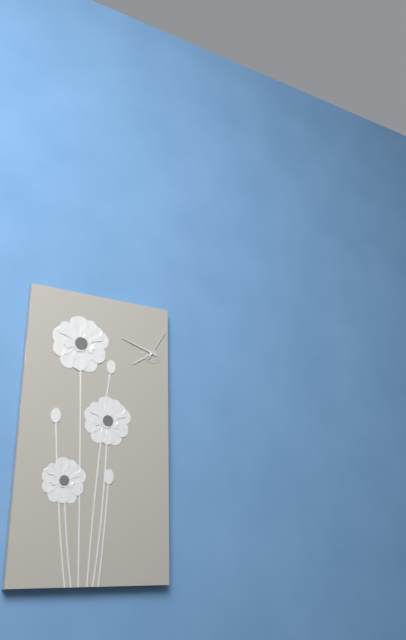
7:48
